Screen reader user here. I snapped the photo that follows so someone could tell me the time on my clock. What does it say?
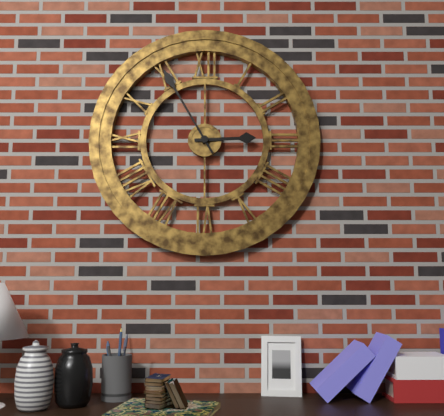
2:55
